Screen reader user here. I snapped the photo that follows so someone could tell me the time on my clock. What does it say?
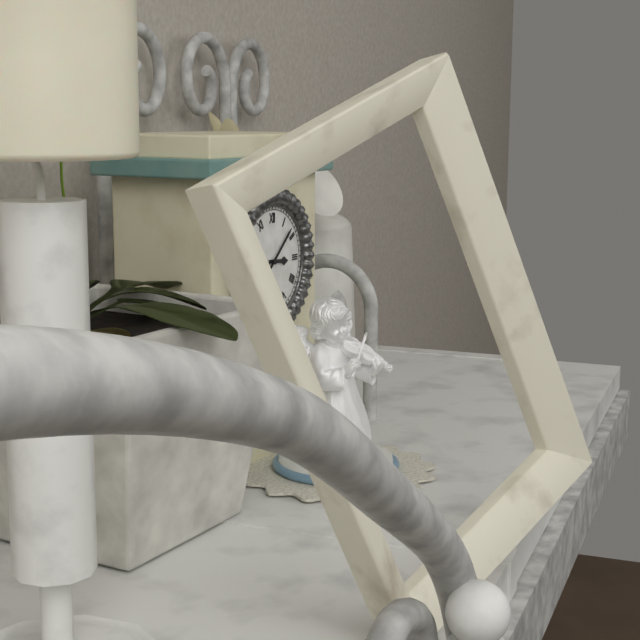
3:08
